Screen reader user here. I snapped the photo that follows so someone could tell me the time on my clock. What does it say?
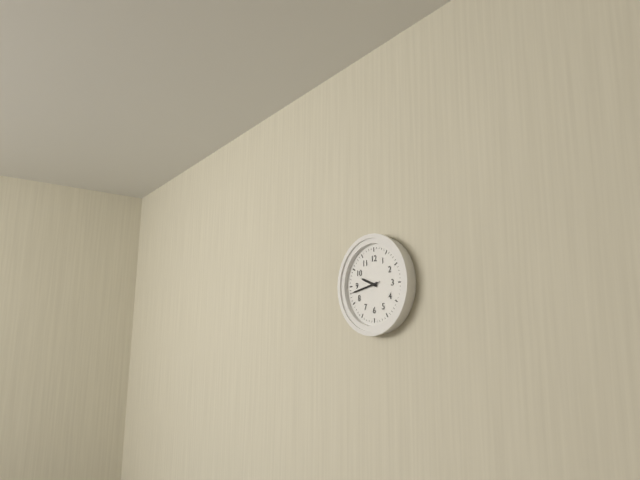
9:43
